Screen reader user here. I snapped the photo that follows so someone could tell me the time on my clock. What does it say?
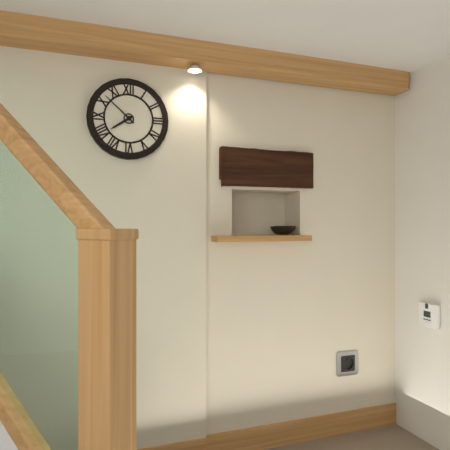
7:52
